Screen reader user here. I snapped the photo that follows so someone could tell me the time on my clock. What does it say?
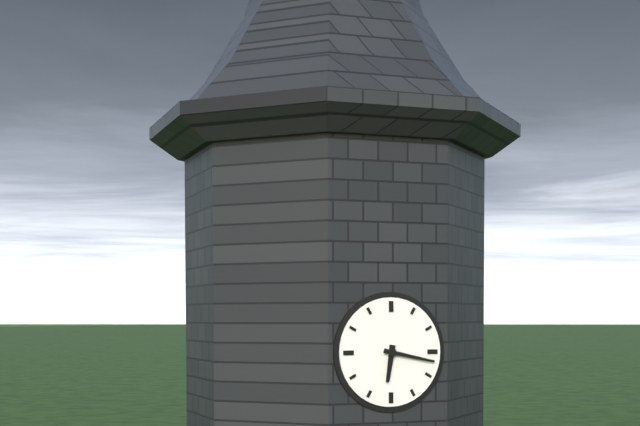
6:17
